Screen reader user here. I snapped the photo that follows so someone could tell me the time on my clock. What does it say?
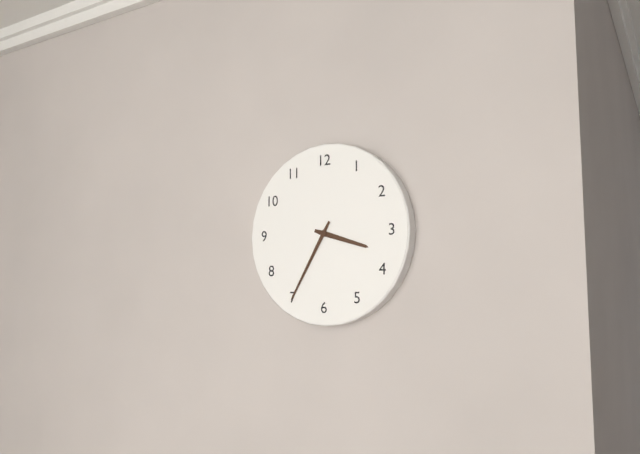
3:35
